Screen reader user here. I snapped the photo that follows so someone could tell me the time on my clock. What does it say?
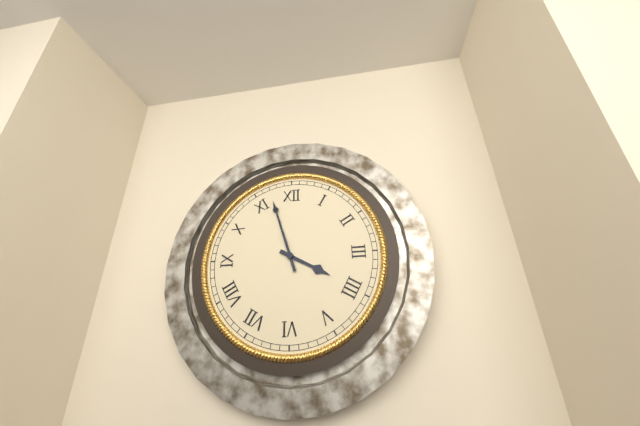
3:57
